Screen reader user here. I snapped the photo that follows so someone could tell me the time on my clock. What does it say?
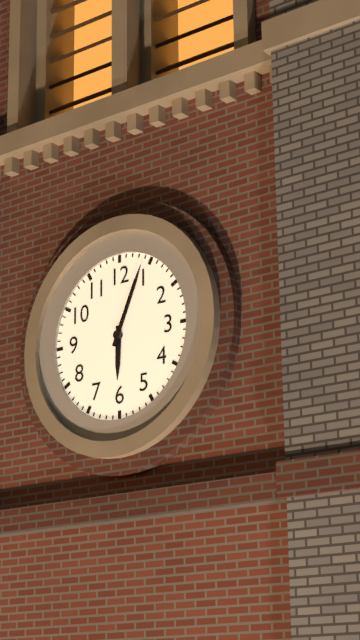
6:04
